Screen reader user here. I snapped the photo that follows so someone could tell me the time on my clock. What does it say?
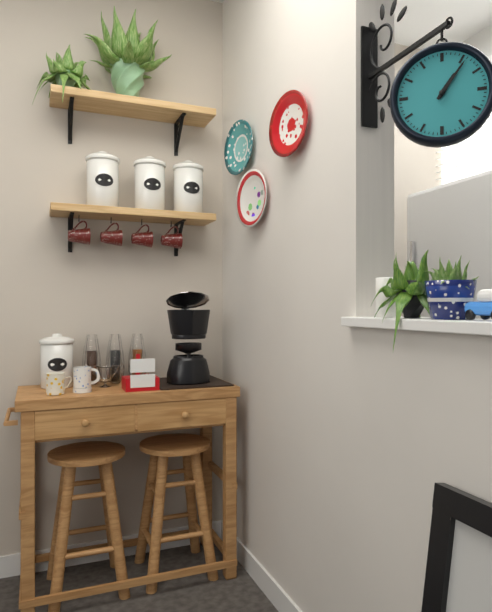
1:06
